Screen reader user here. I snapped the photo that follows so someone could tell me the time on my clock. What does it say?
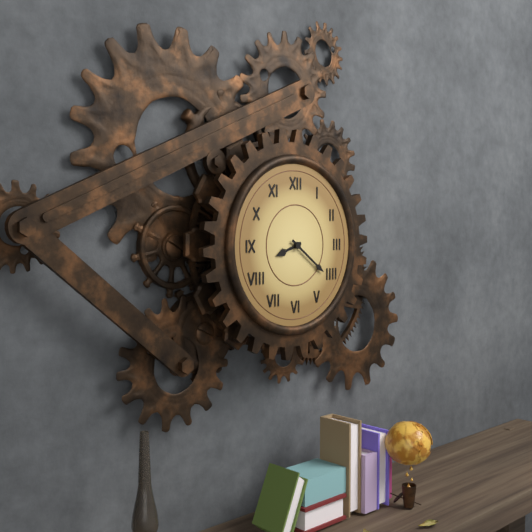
8:21
